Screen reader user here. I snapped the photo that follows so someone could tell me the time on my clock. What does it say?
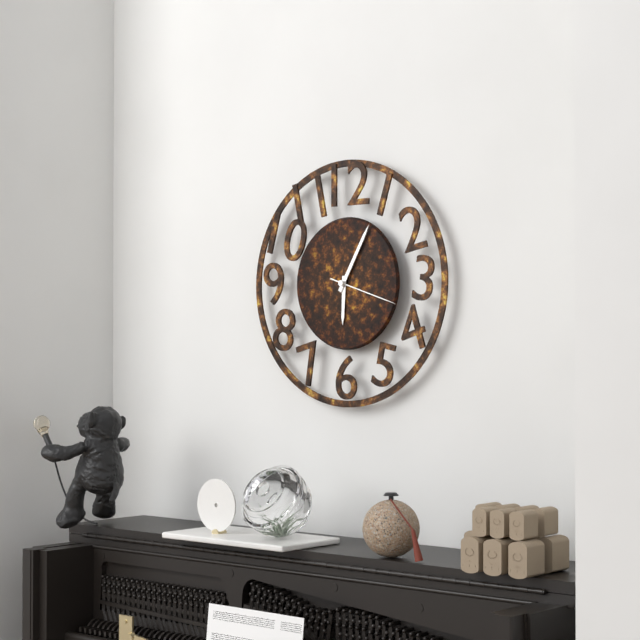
6:05:18
